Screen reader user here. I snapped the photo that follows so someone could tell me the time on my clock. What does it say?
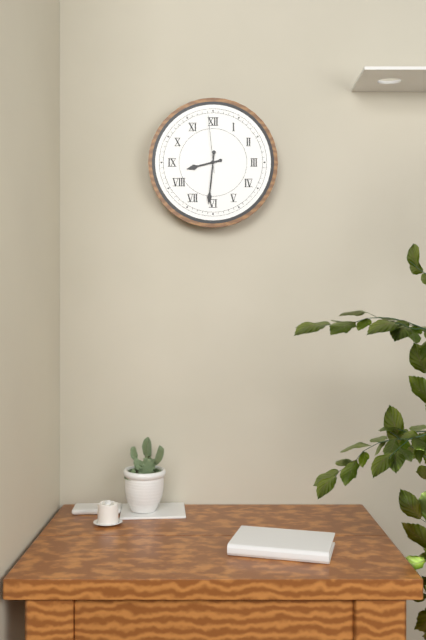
8:31:59
